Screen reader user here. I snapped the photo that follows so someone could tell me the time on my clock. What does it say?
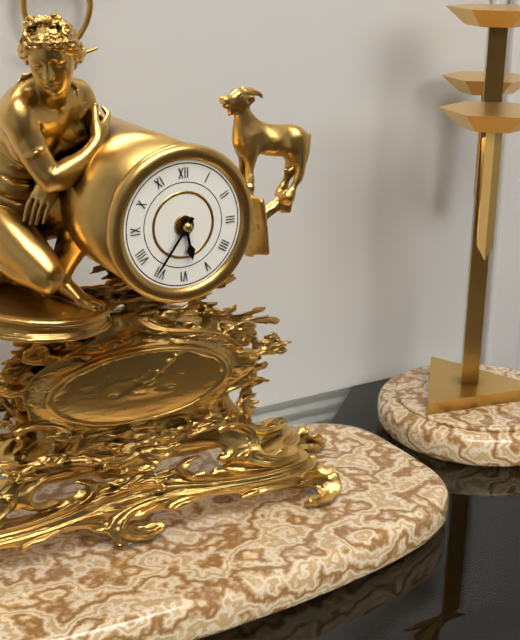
5:36
